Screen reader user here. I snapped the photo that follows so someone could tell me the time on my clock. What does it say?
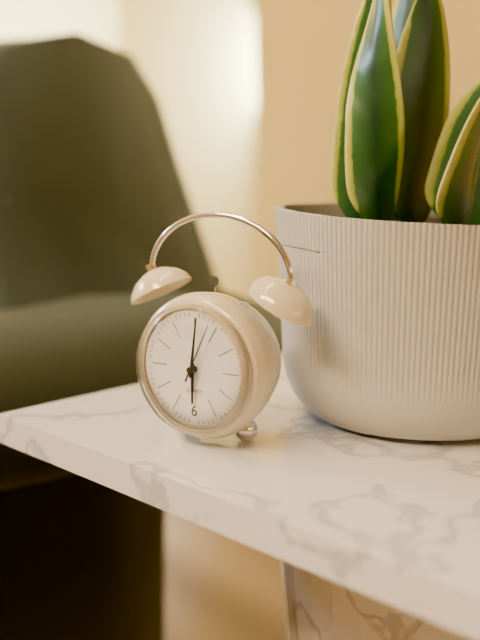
6:01:04
